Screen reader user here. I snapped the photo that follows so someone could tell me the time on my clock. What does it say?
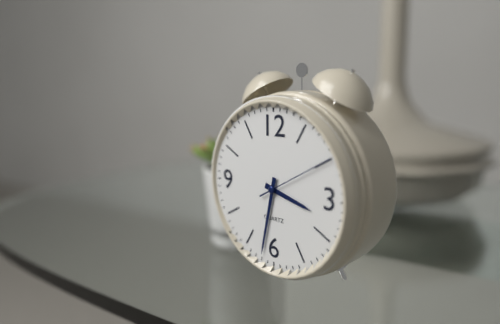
3:32:10
